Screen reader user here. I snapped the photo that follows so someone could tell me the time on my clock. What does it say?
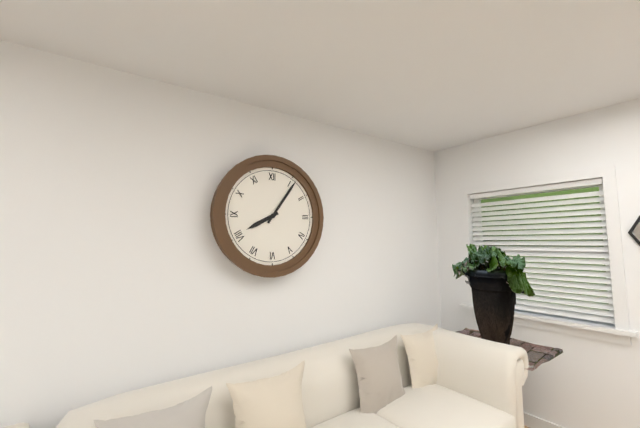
8:06
